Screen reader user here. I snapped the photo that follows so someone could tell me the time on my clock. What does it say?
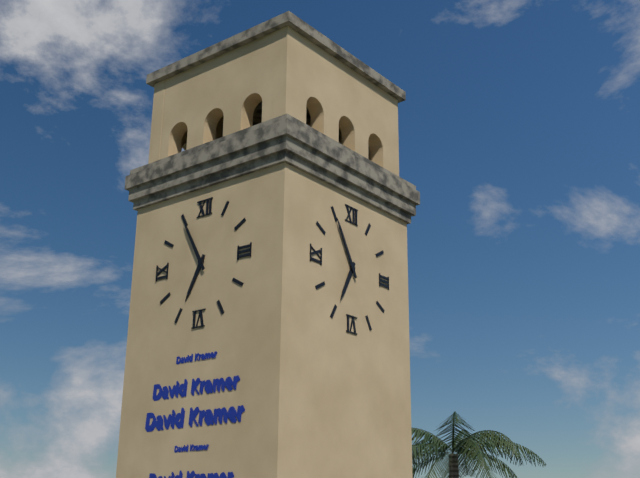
6:55
